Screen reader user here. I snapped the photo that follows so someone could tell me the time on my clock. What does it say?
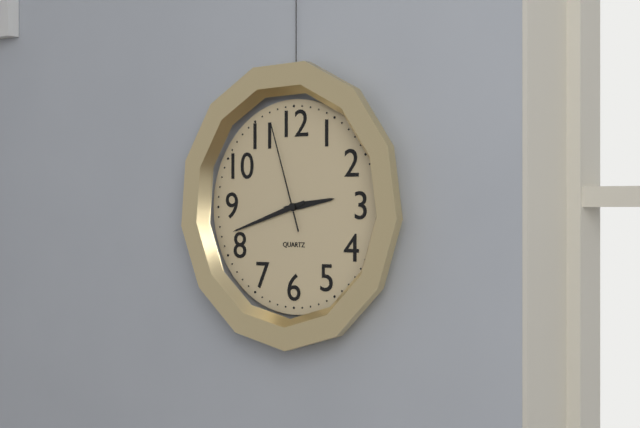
2:42:57
